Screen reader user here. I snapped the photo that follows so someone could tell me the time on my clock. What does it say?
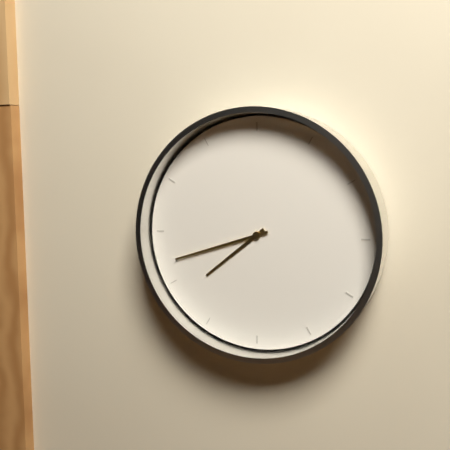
7:42
